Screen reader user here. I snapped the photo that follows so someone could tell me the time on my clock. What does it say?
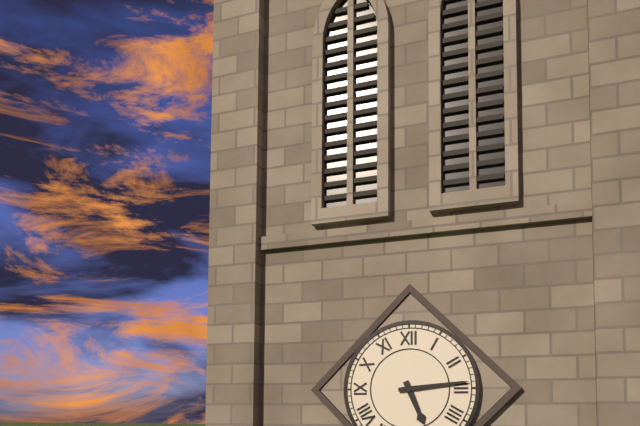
5:14
